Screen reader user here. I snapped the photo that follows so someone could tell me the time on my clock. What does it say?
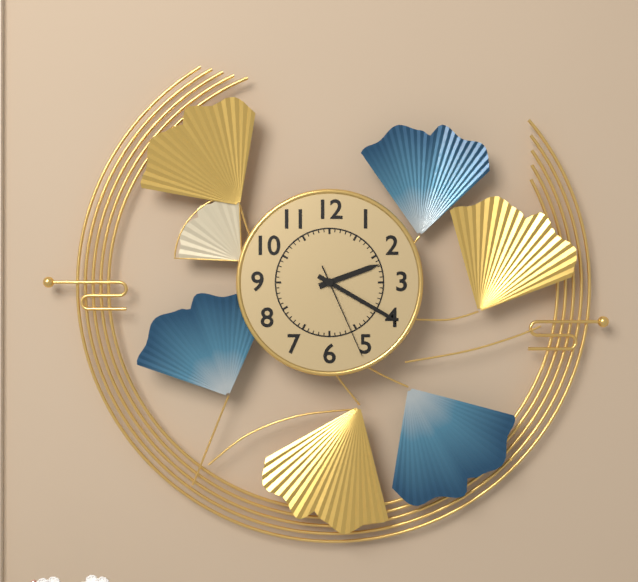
2:20:26
